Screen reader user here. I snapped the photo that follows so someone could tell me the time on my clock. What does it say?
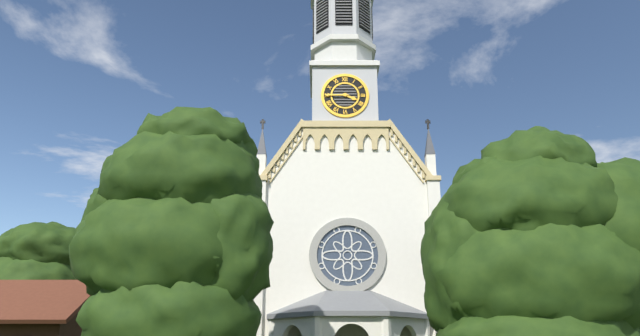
3:45
